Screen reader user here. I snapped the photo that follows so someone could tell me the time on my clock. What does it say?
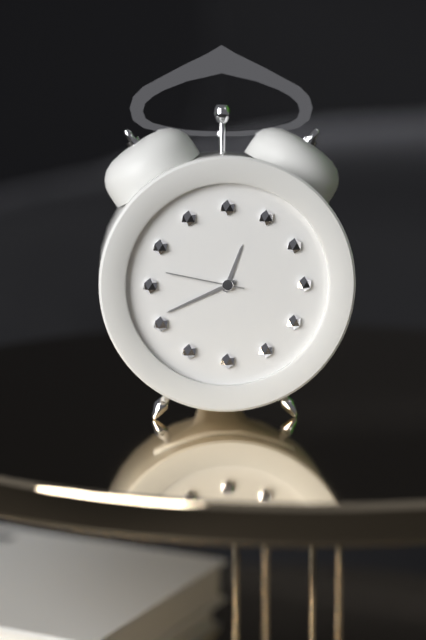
12:41:47
